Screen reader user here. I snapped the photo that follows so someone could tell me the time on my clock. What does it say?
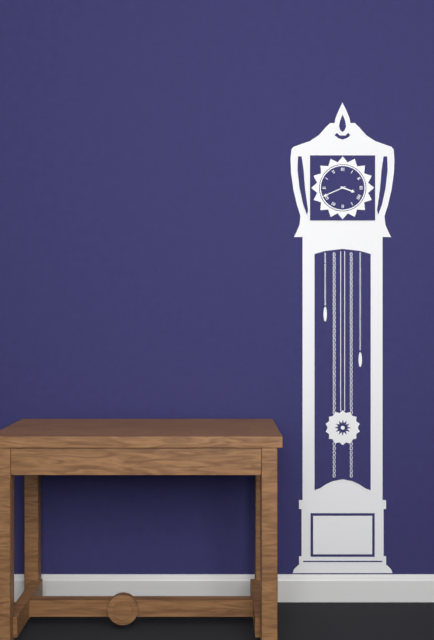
3:41
